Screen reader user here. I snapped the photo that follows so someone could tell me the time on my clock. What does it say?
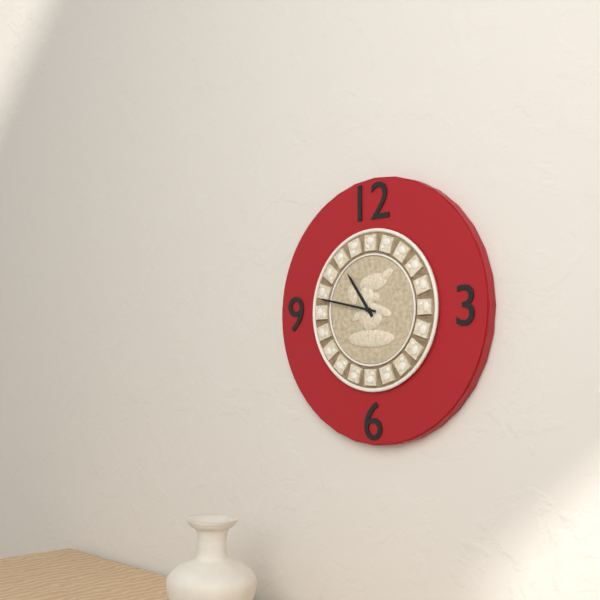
10:47
